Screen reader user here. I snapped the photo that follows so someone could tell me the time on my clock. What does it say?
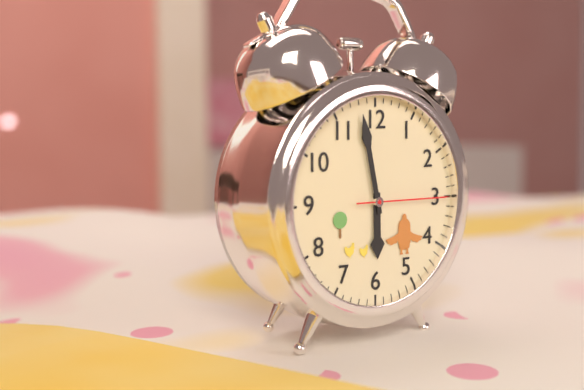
5:58:15
